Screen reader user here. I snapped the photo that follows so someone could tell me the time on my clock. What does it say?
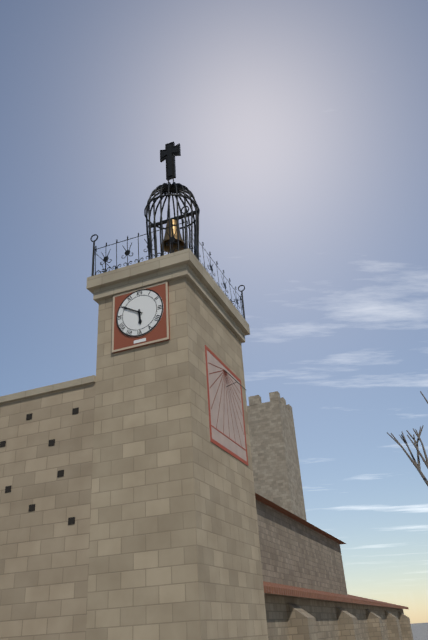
5:50
